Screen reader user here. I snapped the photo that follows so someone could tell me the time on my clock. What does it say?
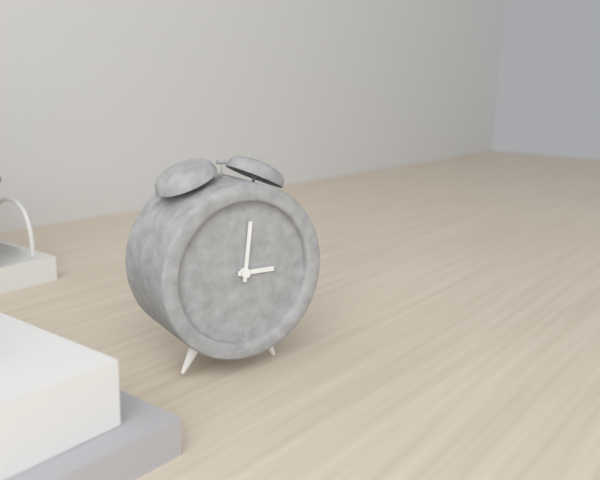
3:01
